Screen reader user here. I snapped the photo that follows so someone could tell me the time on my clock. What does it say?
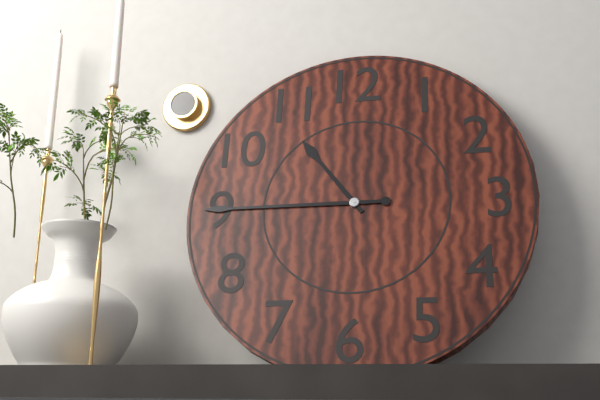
10:45
